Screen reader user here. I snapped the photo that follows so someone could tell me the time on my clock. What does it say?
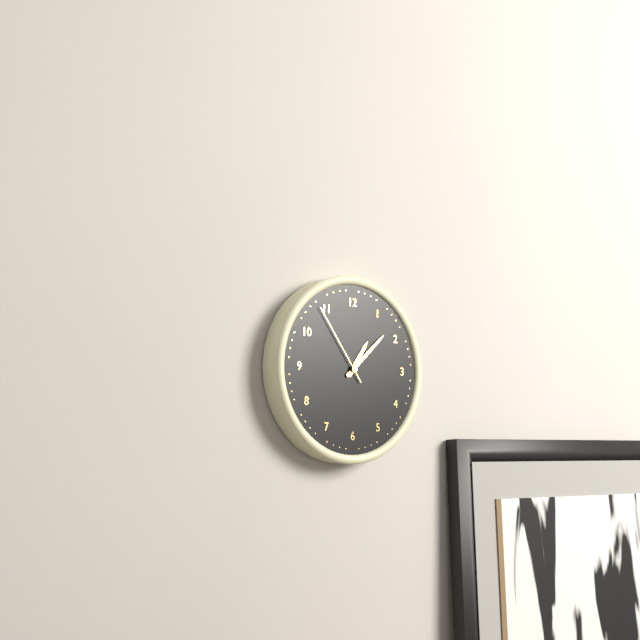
1:08:54
